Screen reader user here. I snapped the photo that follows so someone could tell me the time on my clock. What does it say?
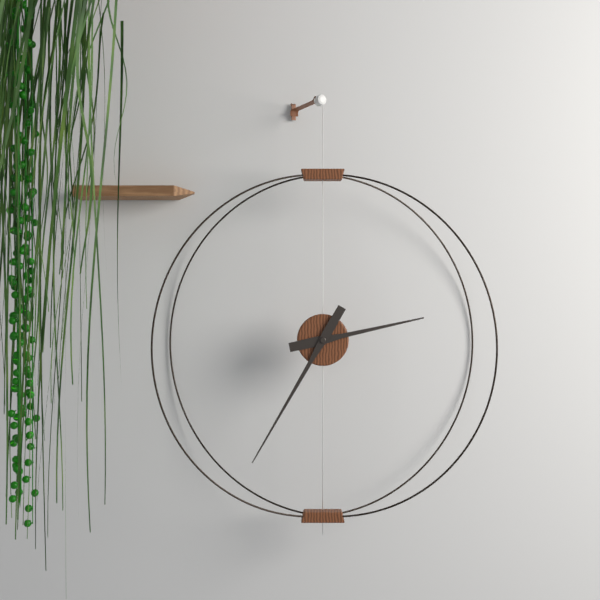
2:35
